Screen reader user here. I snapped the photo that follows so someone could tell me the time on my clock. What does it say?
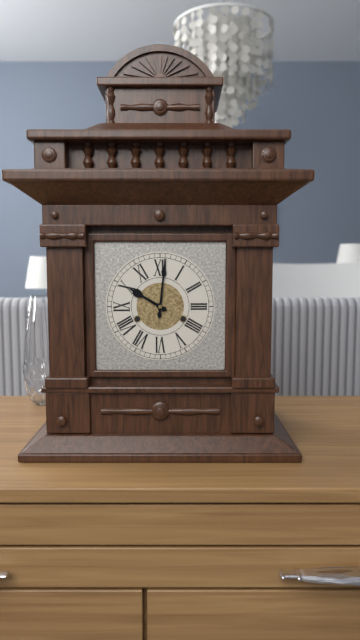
10:01
